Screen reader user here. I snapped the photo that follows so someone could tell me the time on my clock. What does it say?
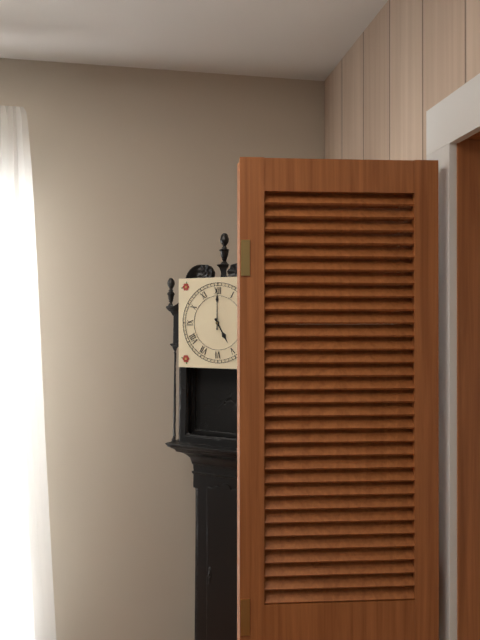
5:00
